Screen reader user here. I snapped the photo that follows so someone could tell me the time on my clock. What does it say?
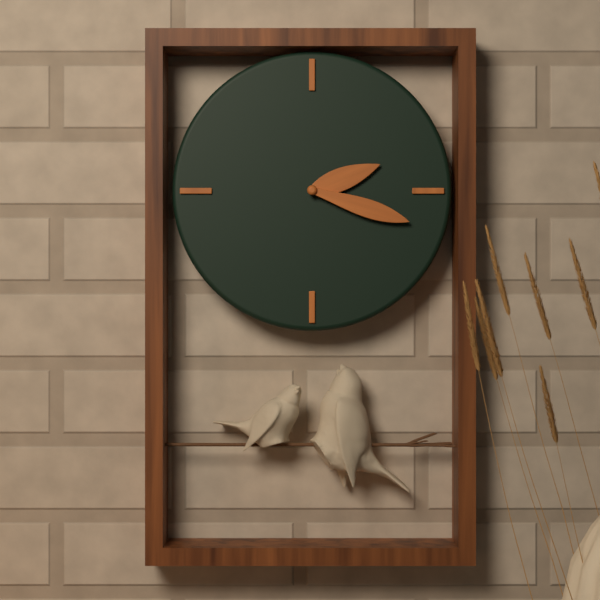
2:18
